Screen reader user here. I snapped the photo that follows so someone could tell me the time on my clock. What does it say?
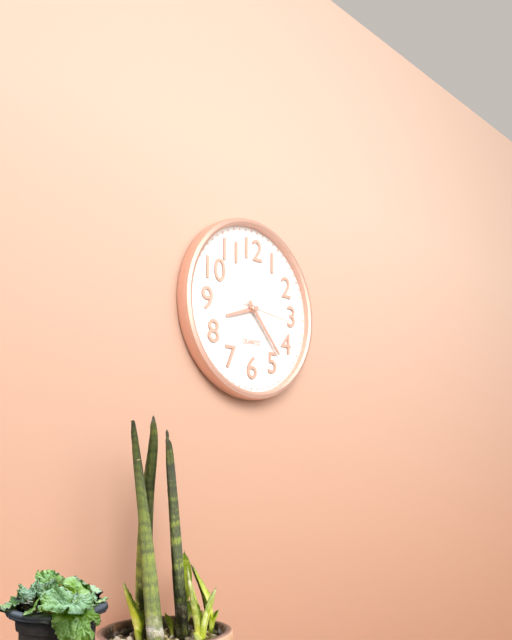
8:23
